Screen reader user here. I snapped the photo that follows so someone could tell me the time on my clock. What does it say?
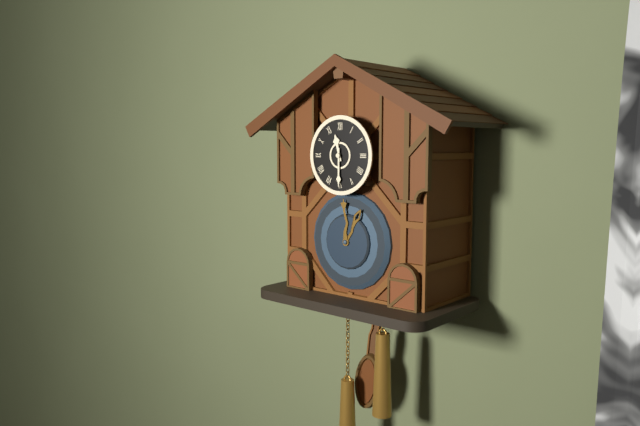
11:30
